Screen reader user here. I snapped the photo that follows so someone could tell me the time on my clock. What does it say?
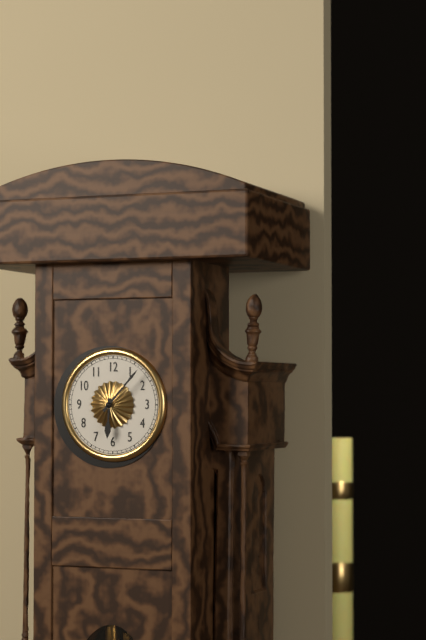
6:07
